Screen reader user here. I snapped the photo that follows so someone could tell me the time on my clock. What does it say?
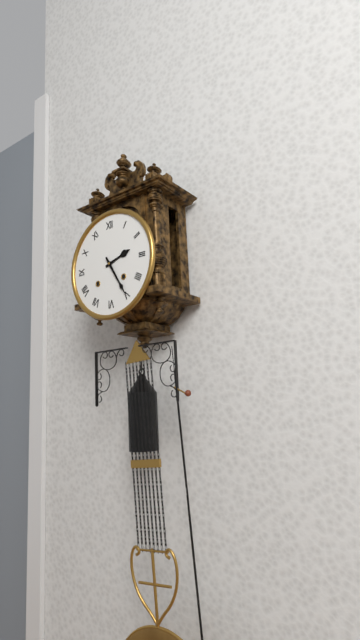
2:25
